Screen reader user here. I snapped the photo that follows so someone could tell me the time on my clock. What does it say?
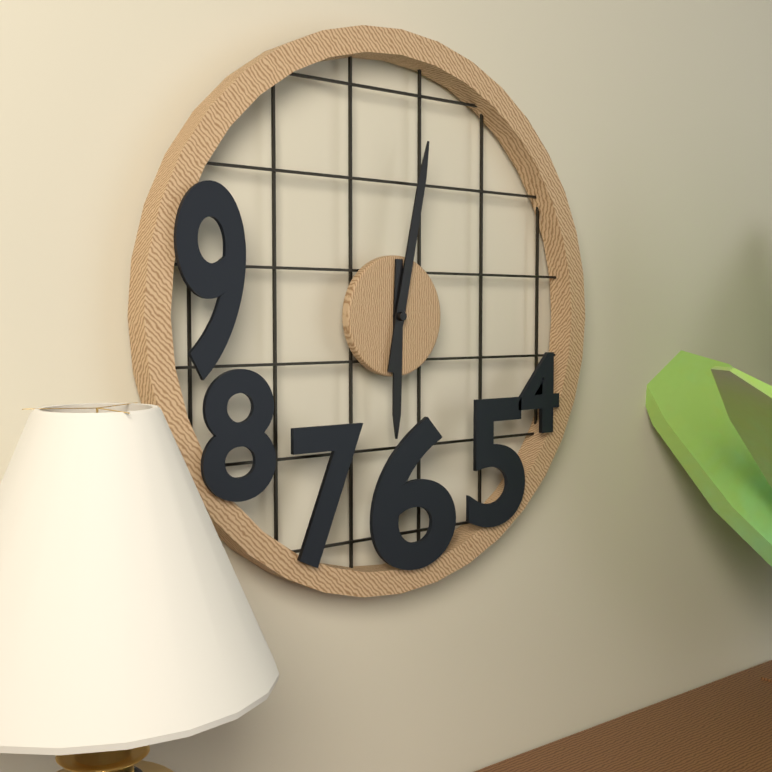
6:02
